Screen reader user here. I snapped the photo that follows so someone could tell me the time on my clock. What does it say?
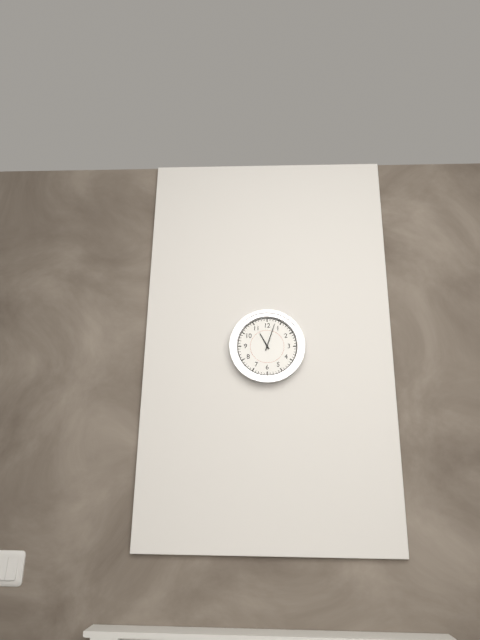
11:03
